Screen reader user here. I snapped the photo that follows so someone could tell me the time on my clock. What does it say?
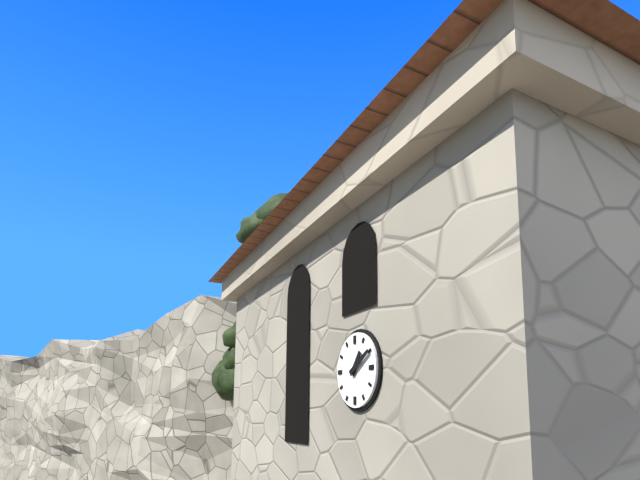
1:10
